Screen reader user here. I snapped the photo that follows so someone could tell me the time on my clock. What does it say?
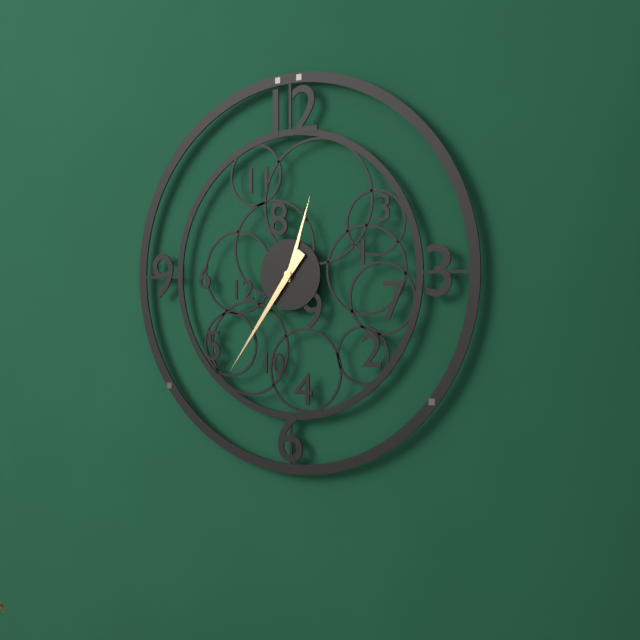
12:36
